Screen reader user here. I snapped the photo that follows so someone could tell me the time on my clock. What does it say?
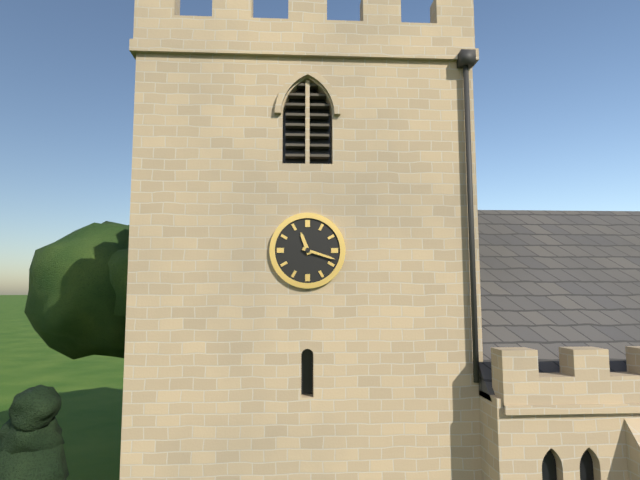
11:18
